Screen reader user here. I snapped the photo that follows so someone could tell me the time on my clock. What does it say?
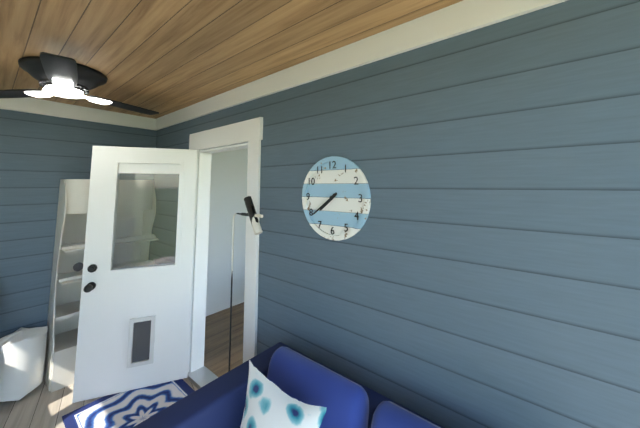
7:39
